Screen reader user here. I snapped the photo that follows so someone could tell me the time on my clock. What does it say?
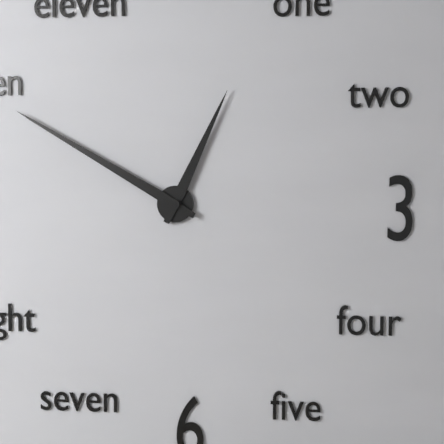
12:50
